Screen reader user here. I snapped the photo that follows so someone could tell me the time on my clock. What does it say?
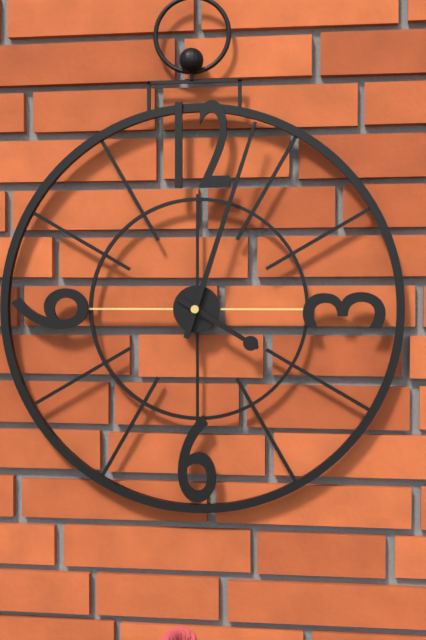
4:03
